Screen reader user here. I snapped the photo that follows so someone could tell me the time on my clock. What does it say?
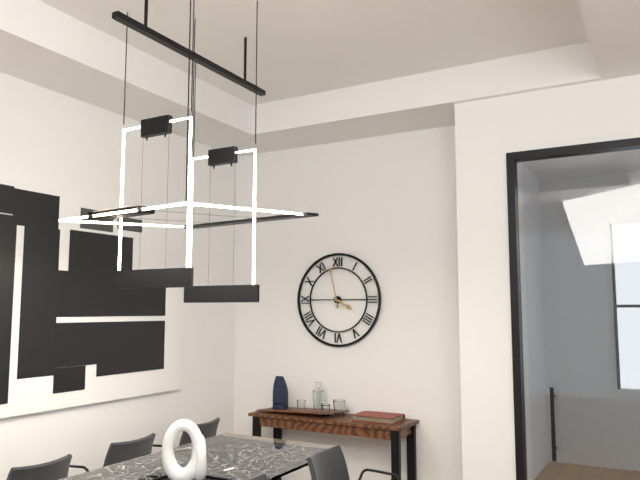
3:58
